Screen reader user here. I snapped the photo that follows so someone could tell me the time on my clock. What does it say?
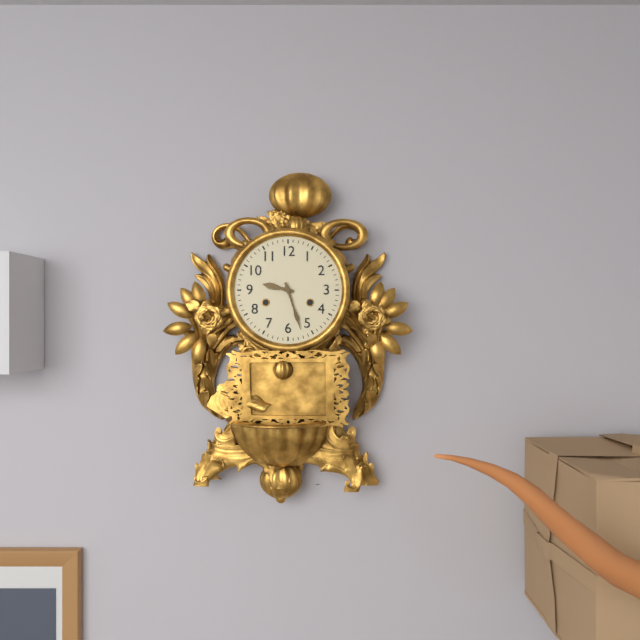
9:27
